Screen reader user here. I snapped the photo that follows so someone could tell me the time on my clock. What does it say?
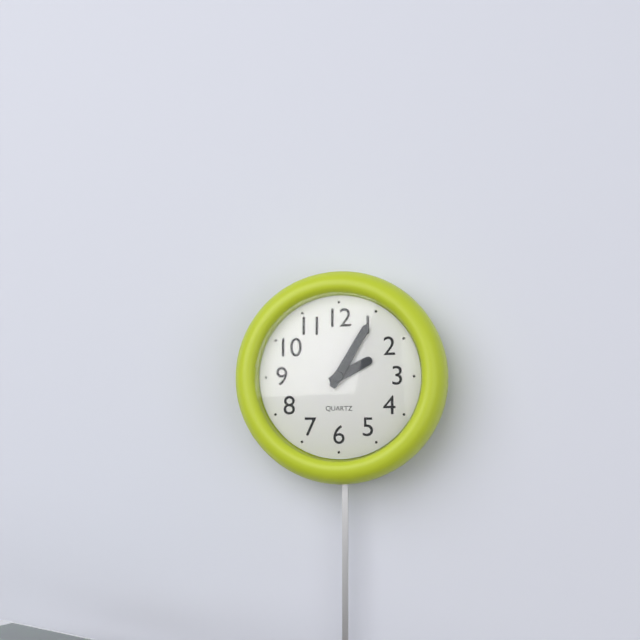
2:05
